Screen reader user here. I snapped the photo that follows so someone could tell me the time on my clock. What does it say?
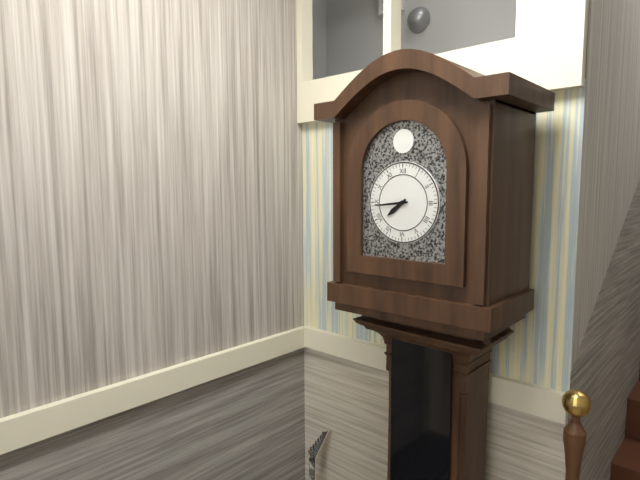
7:44
